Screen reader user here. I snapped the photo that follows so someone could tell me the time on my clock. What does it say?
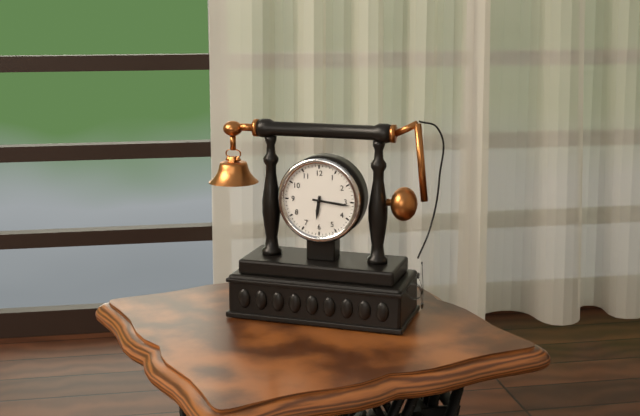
6:16
